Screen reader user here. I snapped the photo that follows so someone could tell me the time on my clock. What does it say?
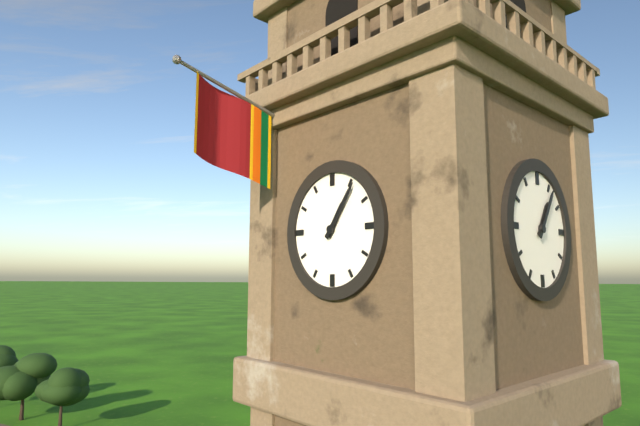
1:06
